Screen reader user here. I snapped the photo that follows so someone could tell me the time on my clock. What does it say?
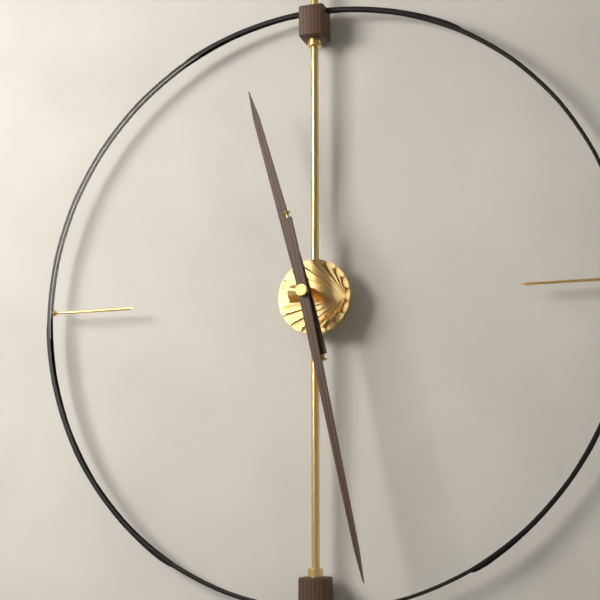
11:28
